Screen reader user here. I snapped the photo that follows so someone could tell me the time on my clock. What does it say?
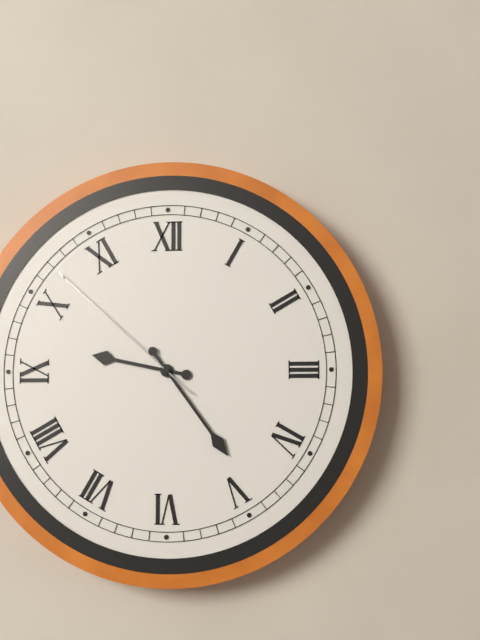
9:24:52
